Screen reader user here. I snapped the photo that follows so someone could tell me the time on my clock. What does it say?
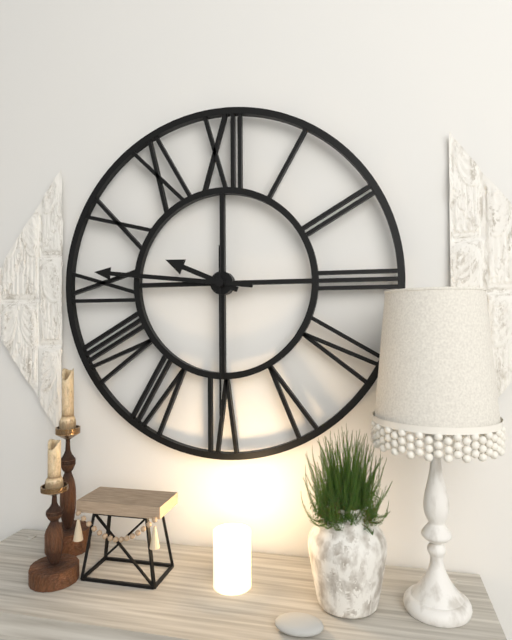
9:46:30
